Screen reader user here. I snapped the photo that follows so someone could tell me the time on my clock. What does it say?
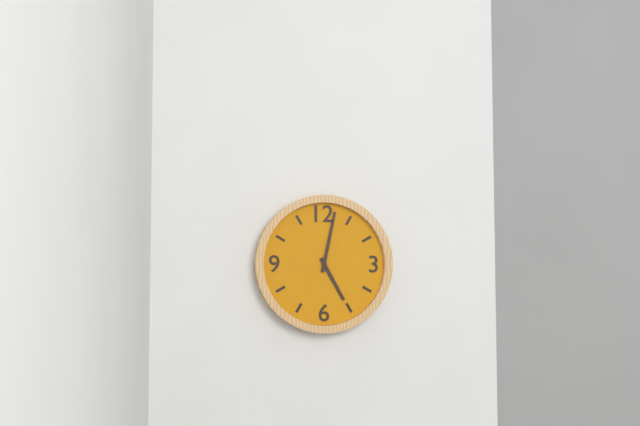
5:02
